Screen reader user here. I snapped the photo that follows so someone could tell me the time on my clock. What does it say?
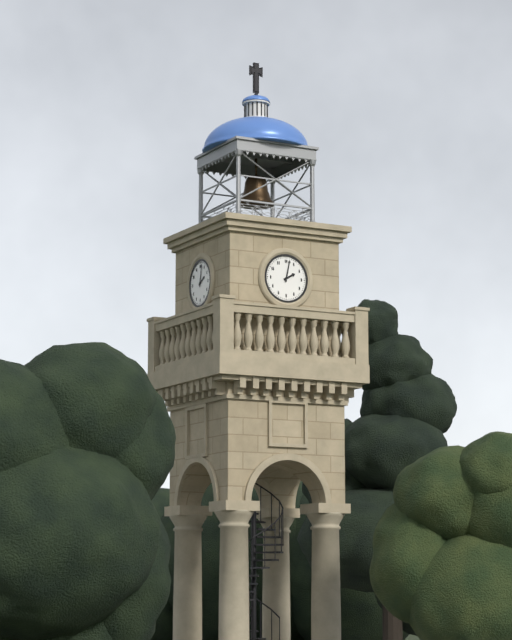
2:02
